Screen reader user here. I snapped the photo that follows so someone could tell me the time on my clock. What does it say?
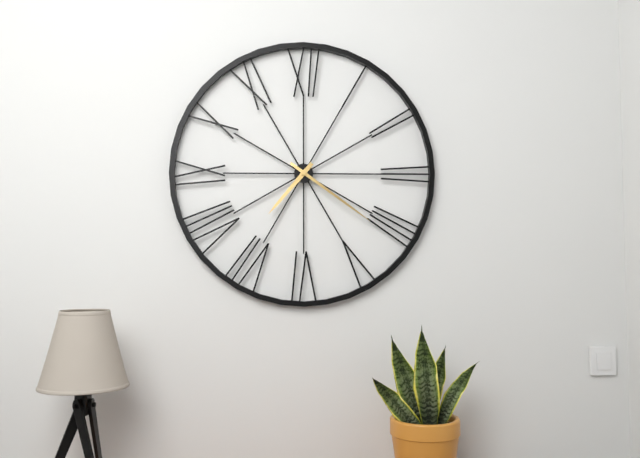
7:21
